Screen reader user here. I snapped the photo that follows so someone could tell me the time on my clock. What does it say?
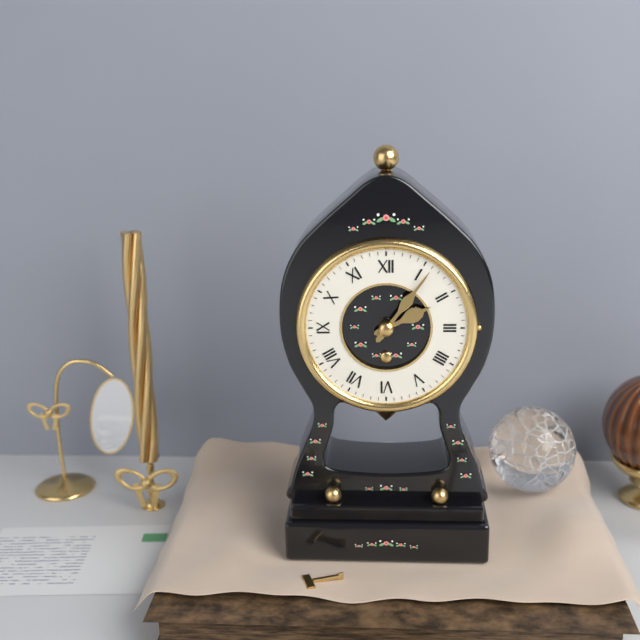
2:06
